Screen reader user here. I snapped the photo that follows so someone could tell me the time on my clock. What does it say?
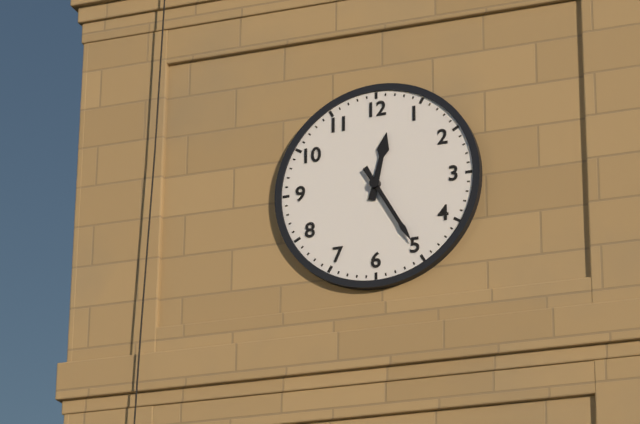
12:25
